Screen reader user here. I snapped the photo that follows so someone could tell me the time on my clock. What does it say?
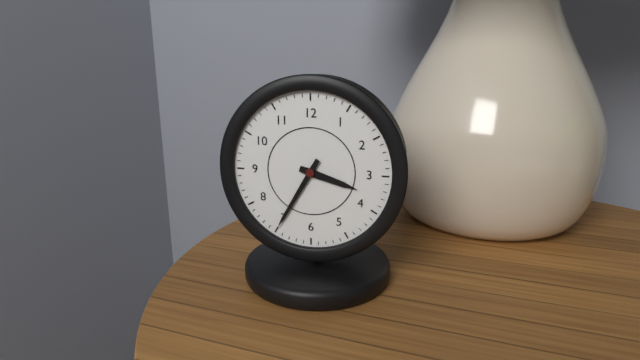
3:35
